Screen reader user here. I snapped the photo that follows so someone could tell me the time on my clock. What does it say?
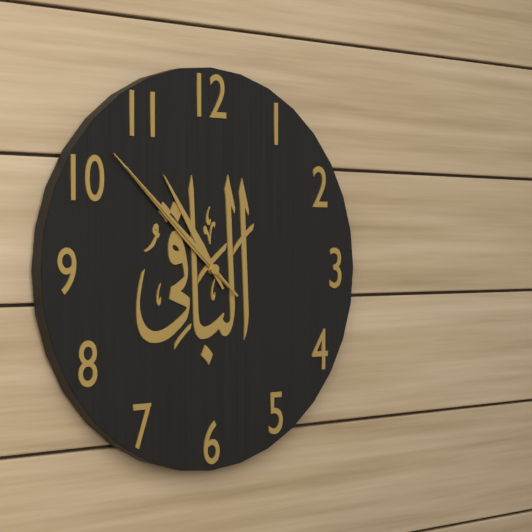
10:52:52
